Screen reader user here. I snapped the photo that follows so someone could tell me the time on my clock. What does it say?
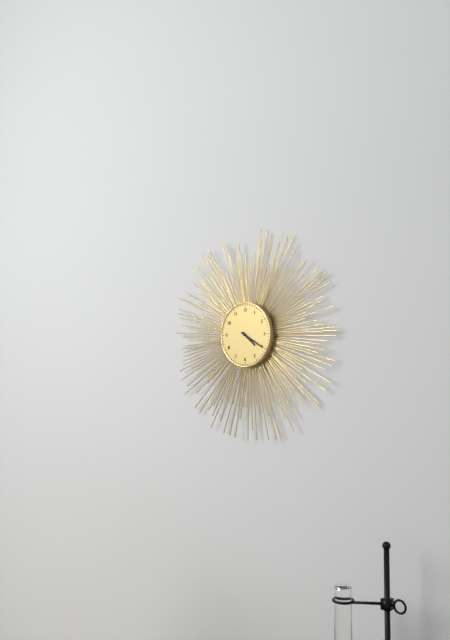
4:20
